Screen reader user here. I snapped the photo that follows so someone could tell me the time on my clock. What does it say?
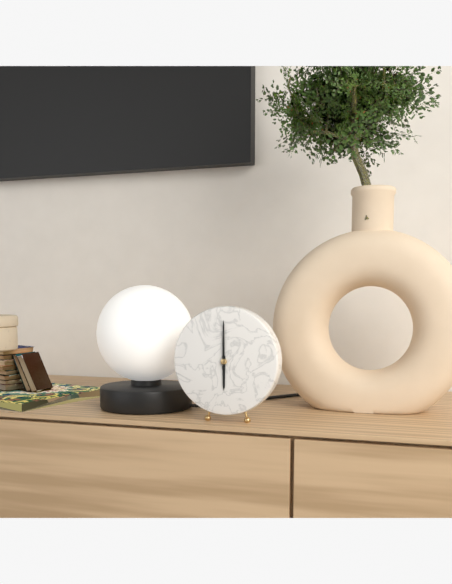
6:00
